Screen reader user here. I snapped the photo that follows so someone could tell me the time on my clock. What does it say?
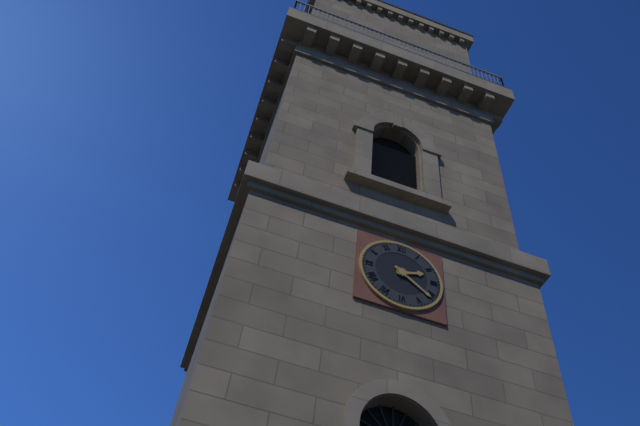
2:21
